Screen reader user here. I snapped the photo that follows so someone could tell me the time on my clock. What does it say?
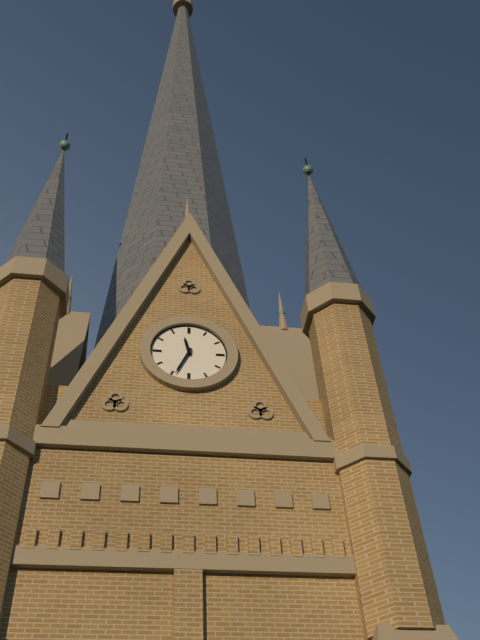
11:34
